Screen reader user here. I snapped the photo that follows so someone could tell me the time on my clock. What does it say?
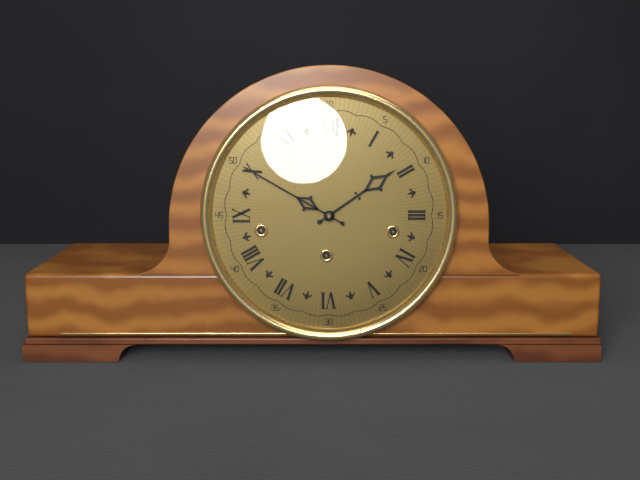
1:50
